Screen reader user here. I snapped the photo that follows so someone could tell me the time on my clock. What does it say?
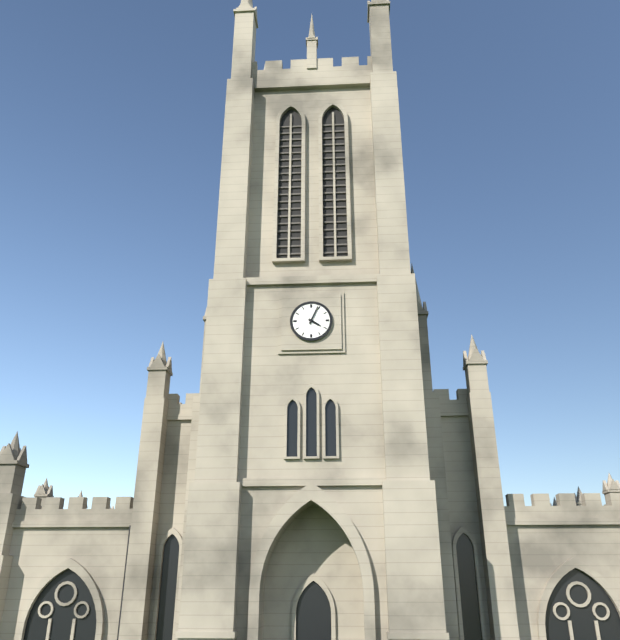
4:04
